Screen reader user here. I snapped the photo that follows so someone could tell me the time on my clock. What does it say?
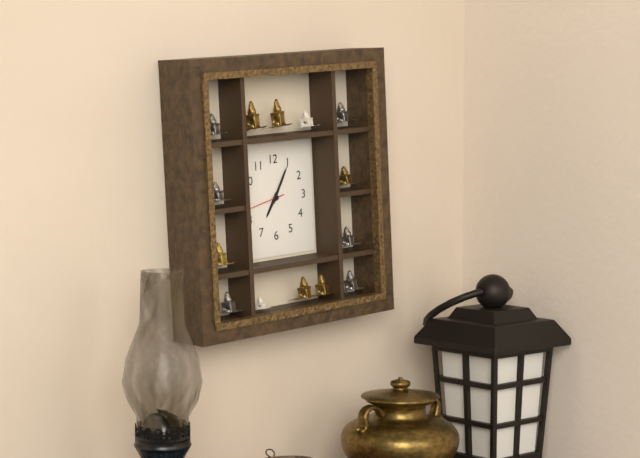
7:05
